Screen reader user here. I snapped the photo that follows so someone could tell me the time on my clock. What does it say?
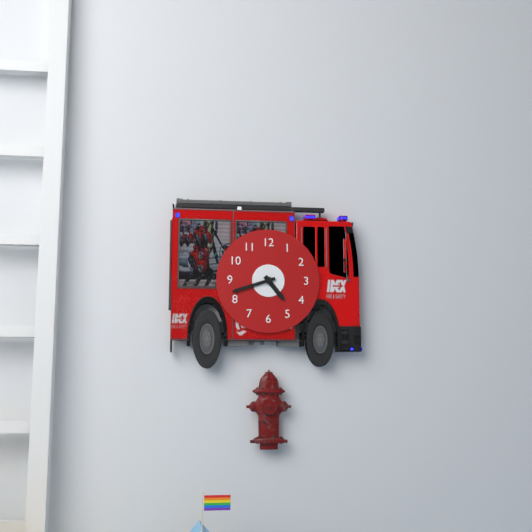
4:42
